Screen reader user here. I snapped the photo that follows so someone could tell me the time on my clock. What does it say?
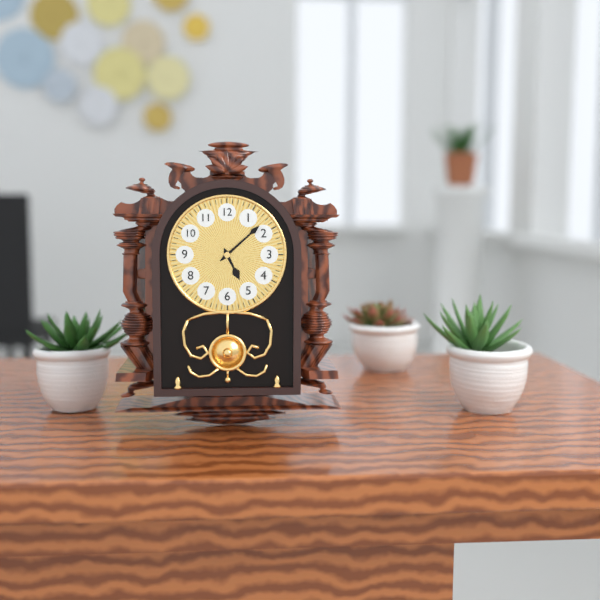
5:08
